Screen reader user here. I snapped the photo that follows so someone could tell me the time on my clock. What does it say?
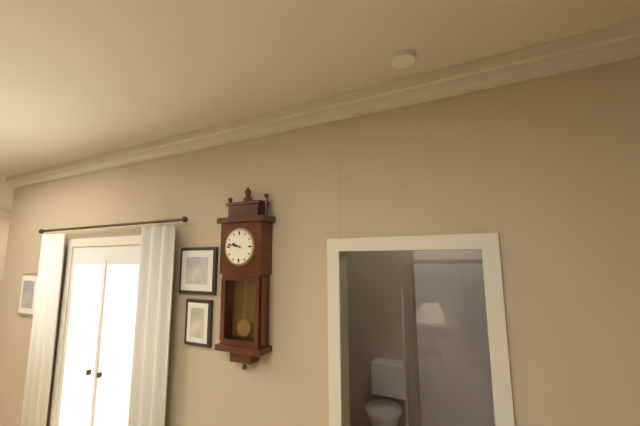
9:47
